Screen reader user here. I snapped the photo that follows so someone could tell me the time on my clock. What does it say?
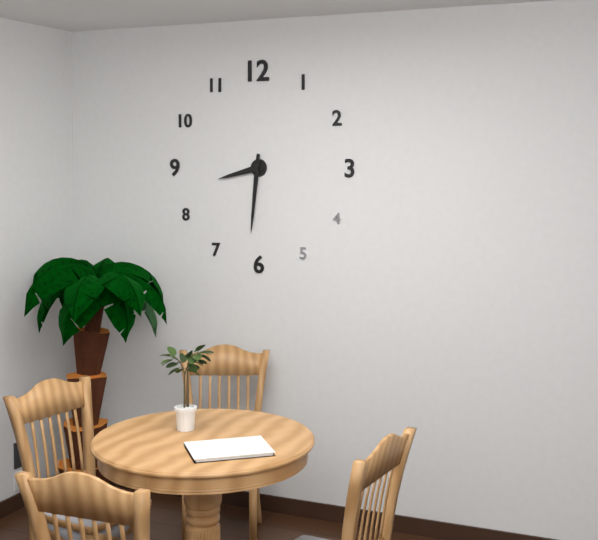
8:31
